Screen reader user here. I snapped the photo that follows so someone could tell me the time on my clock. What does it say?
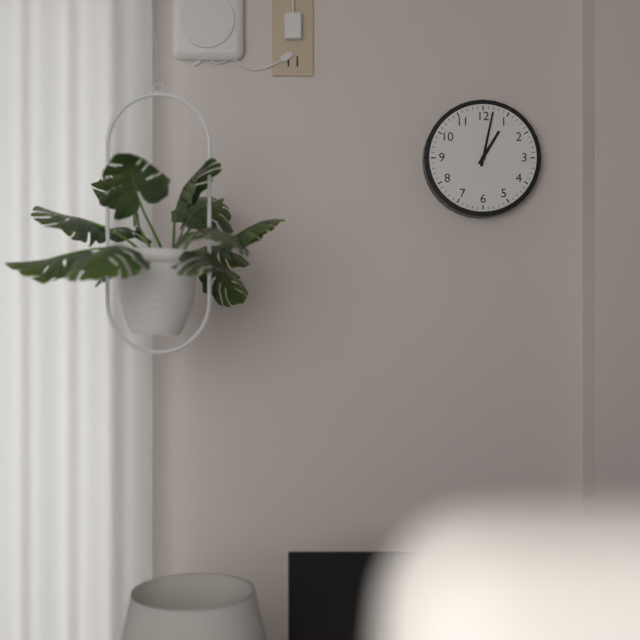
1:02
